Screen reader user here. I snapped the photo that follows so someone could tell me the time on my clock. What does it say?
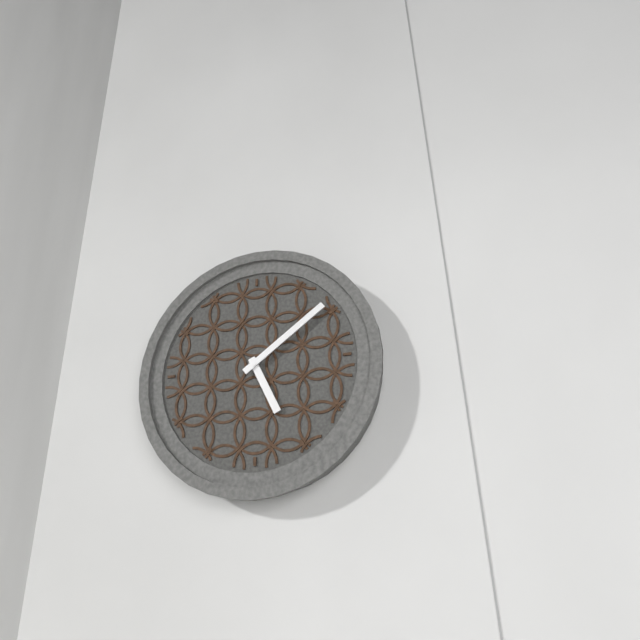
5:09
